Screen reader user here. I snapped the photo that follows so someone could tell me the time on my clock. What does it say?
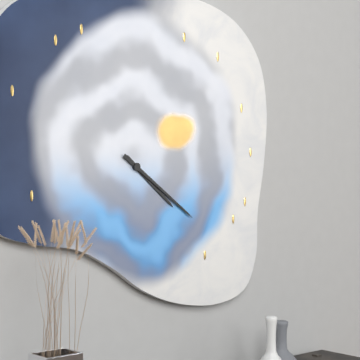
4:21
